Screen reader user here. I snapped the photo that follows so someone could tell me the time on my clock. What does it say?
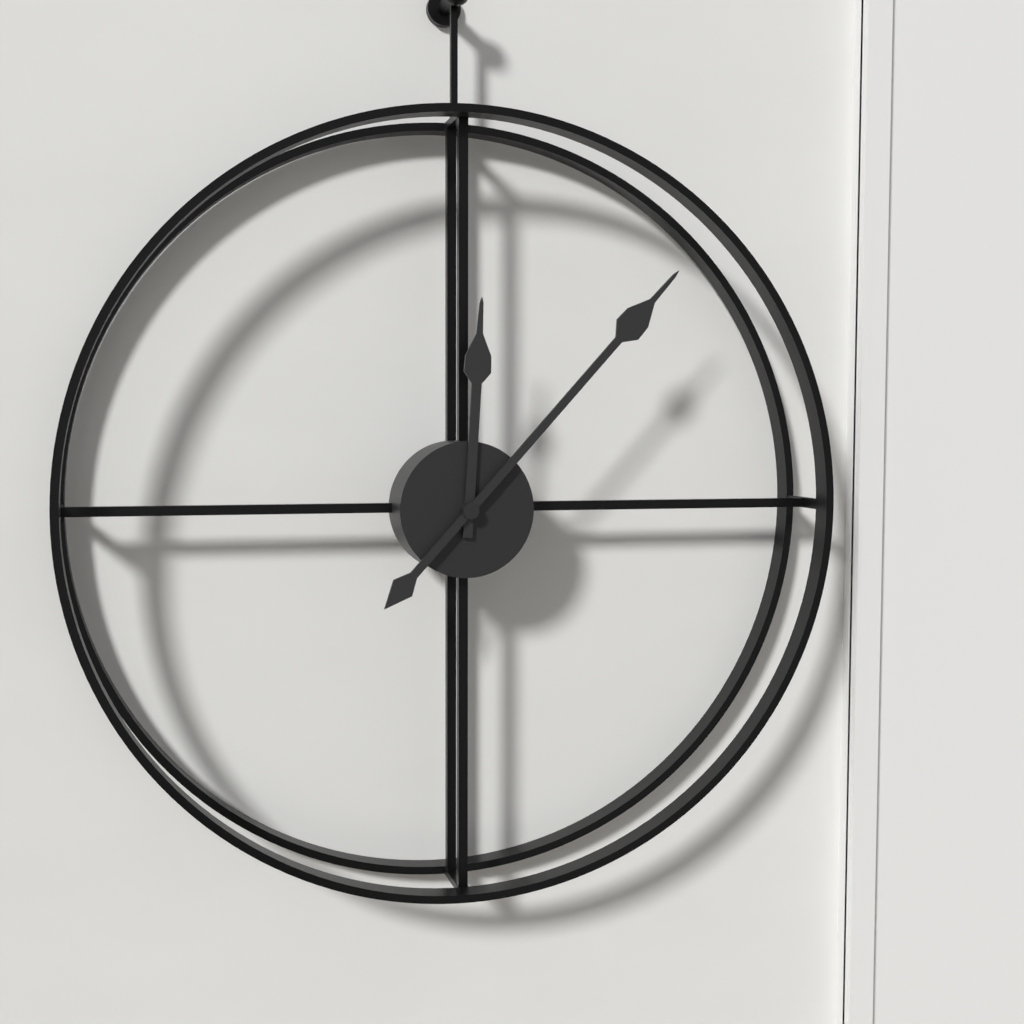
12:07
